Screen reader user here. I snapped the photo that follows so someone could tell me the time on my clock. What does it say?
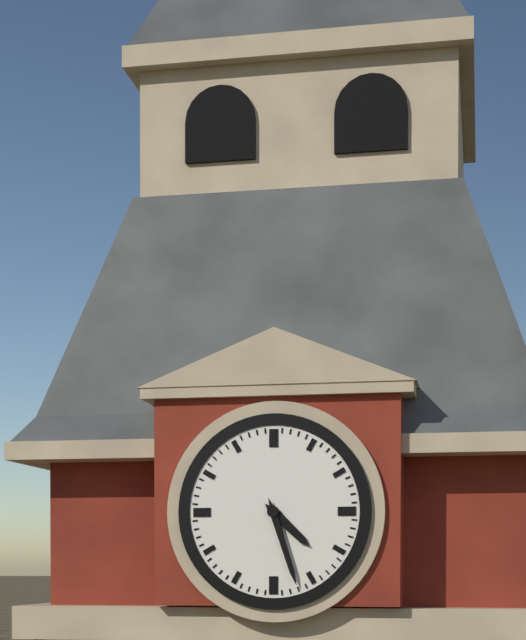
4:27
